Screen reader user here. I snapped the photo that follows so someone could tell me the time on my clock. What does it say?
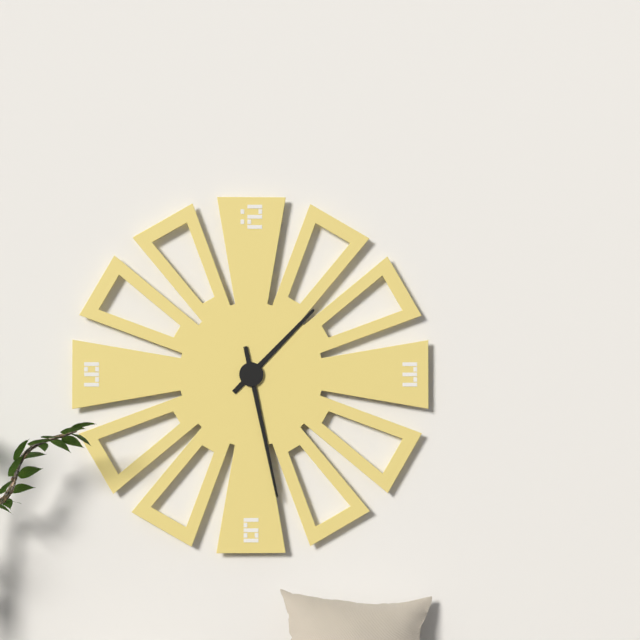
1:28
